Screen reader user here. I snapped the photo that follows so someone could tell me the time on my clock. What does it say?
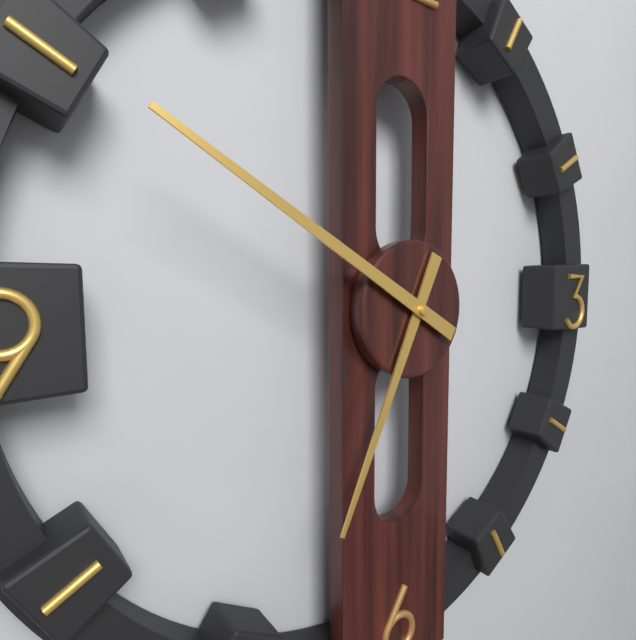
6:50
